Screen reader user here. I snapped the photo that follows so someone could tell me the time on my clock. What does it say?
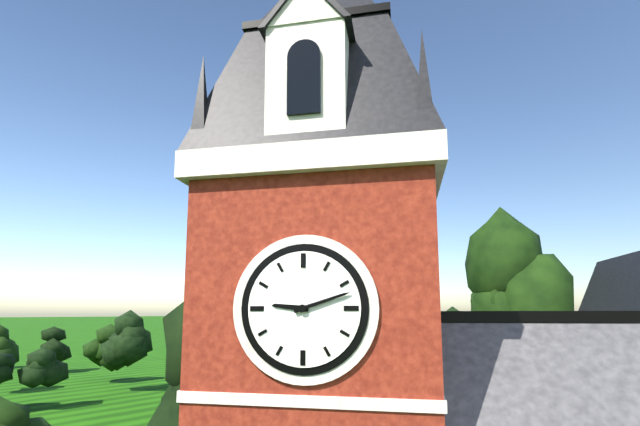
9:12
